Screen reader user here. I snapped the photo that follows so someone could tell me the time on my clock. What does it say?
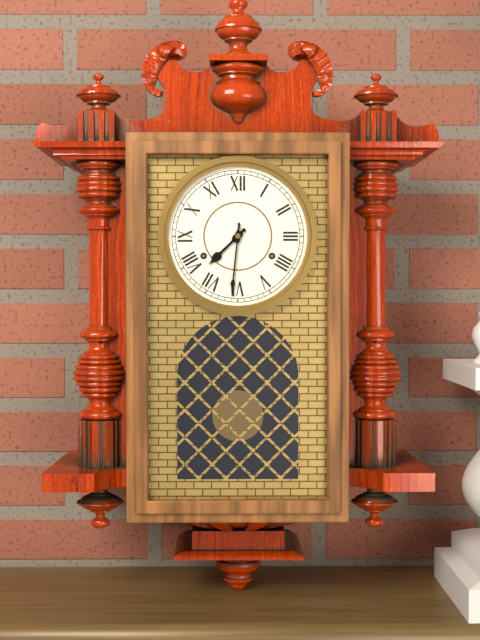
7:31
